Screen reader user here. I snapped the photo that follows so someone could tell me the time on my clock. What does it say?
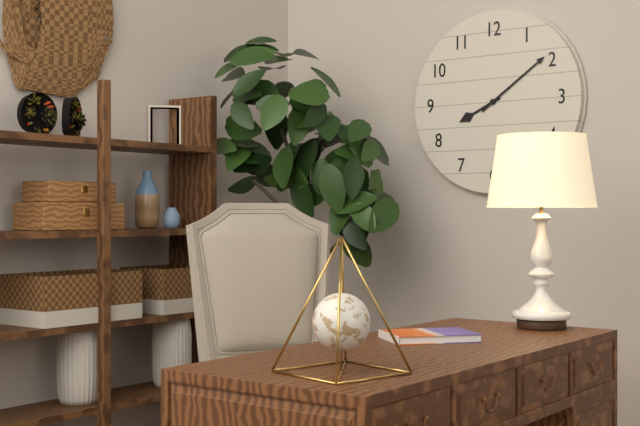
8:09
